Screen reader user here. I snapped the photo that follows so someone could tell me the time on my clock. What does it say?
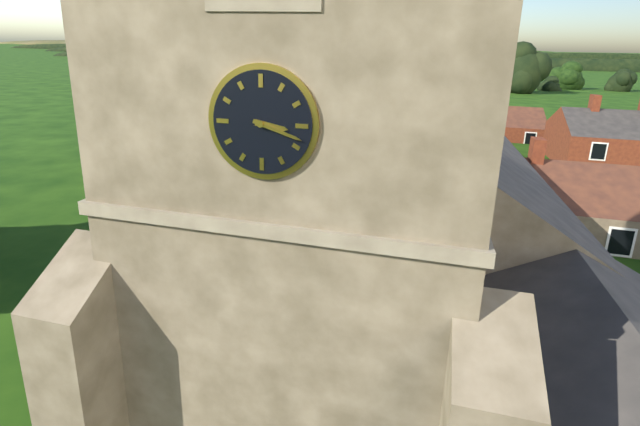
3:18
